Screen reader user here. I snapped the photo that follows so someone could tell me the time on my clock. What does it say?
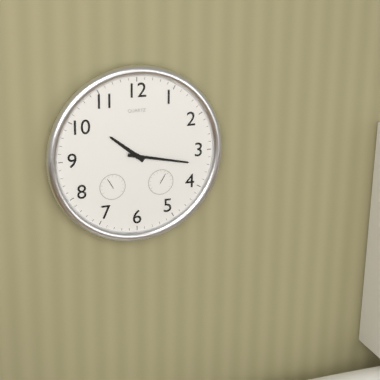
10:17
